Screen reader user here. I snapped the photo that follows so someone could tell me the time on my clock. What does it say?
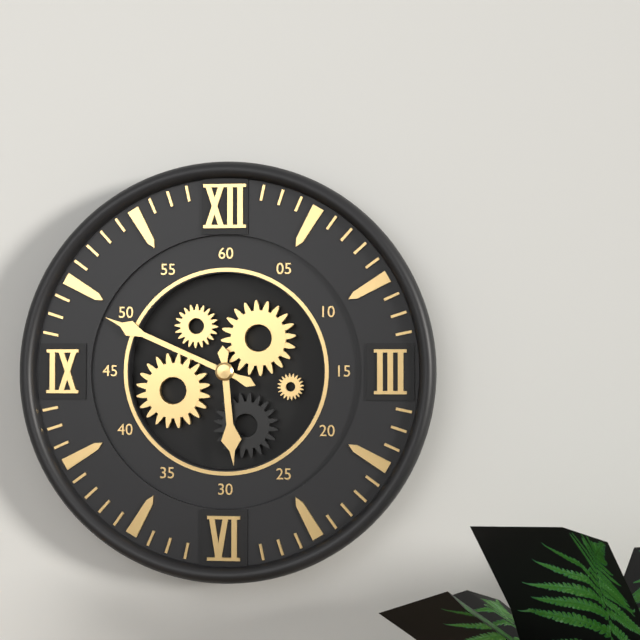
5:49
